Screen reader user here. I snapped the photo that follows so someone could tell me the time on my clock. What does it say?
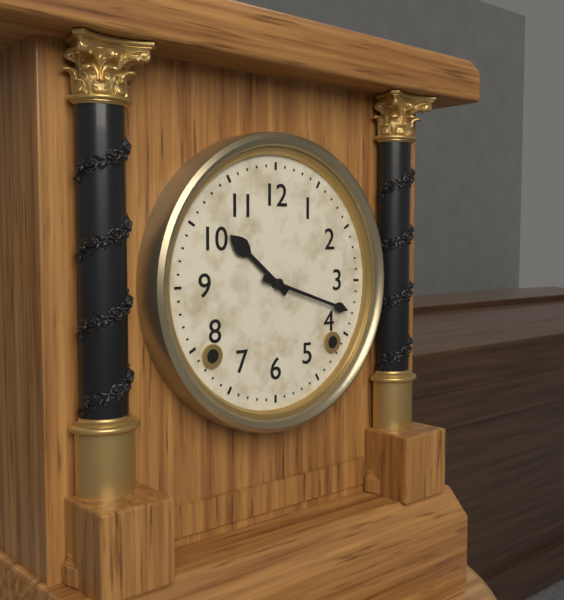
10:18
